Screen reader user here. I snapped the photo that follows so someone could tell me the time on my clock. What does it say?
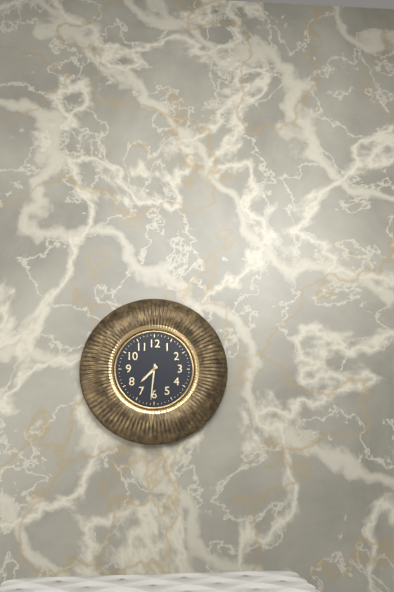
7:31
